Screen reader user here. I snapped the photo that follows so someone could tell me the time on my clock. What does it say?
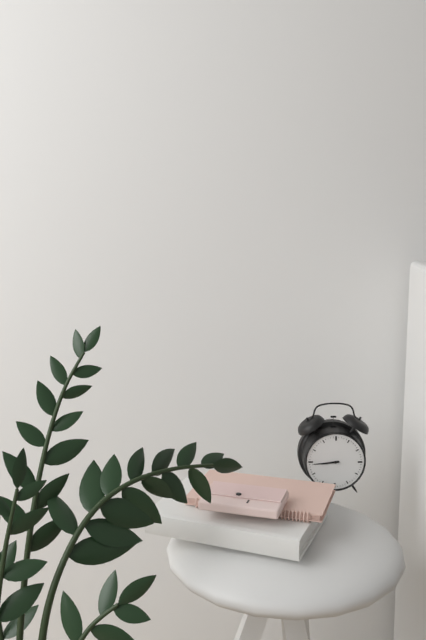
8:44
